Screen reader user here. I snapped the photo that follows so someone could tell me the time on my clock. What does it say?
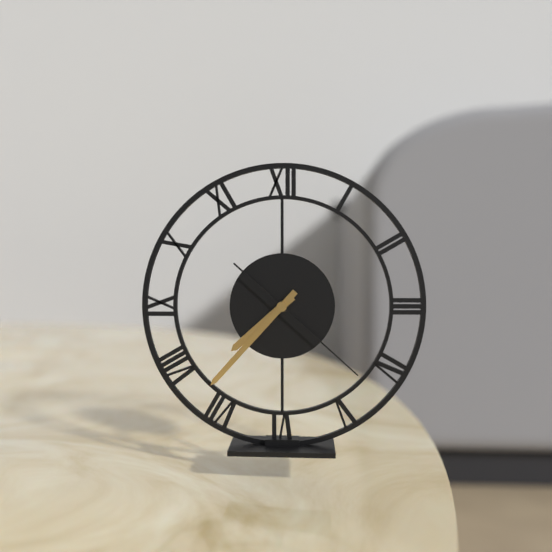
7:37:22
